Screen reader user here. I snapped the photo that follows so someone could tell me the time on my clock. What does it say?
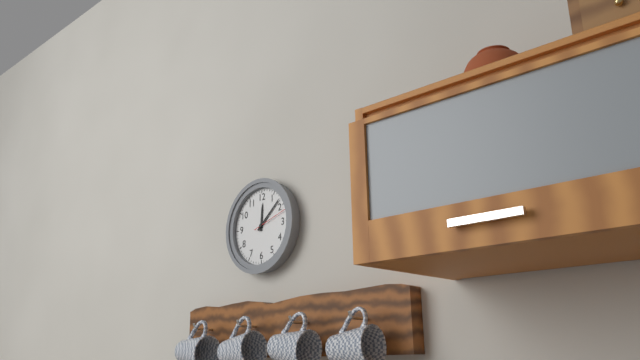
12:08
